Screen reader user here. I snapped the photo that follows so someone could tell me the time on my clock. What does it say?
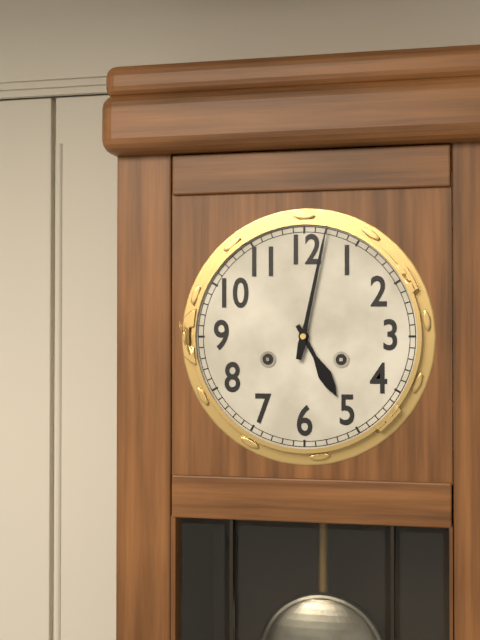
5:02
